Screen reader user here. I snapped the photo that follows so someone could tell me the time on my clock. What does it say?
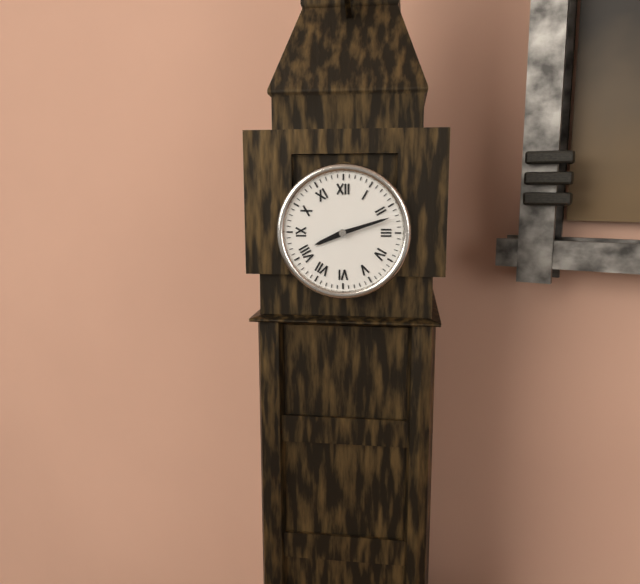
8:12
